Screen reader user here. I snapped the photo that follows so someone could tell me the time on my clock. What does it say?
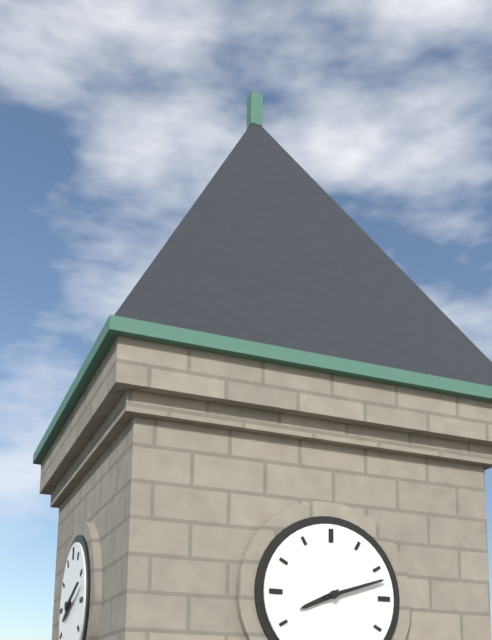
8:12
